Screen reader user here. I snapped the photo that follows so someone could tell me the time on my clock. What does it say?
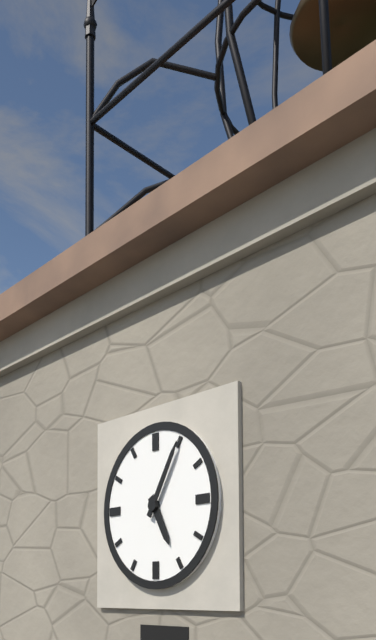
5:05
